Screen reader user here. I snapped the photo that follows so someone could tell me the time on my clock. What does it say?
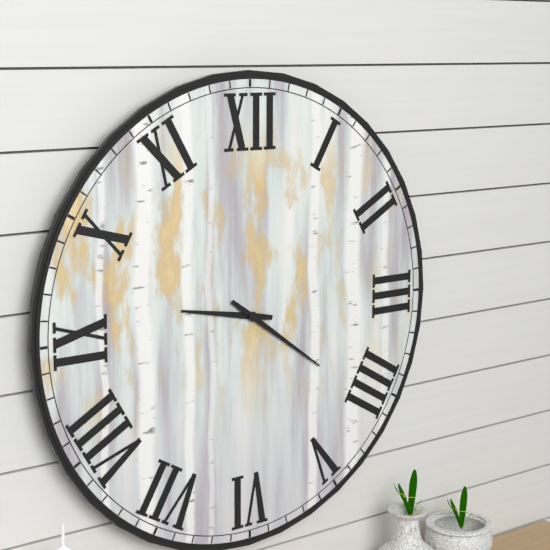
9:21
